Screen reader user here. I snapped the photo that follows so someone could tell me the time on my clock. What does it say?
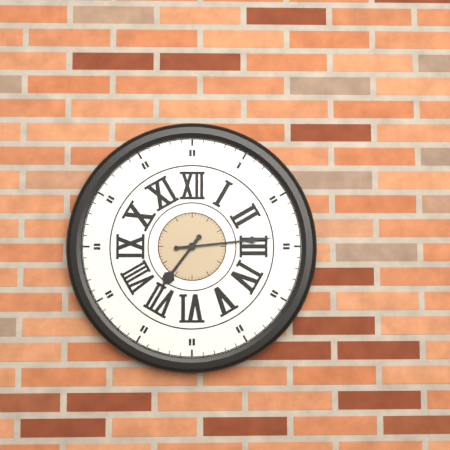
7:14
